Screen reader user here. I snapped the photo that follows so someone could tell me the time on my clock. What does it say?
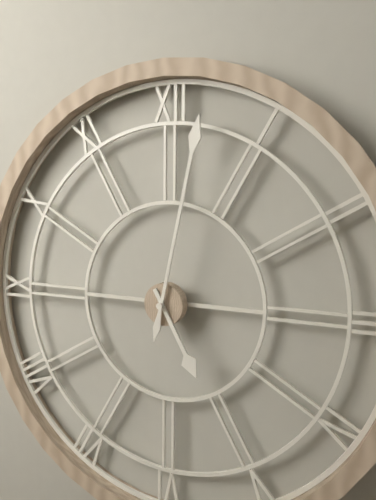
5:02
